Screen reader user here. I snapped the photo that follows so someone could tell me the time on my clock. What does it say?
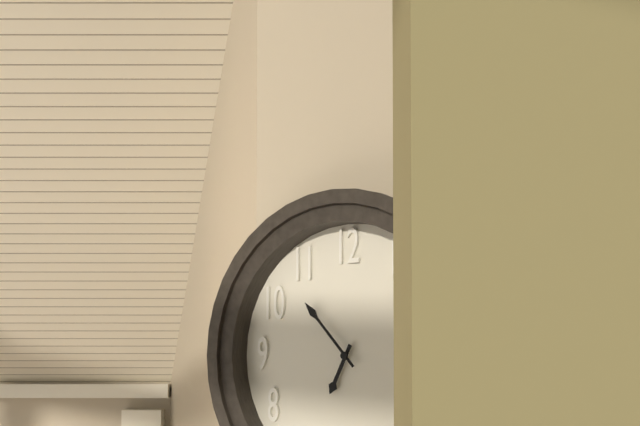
6:53
